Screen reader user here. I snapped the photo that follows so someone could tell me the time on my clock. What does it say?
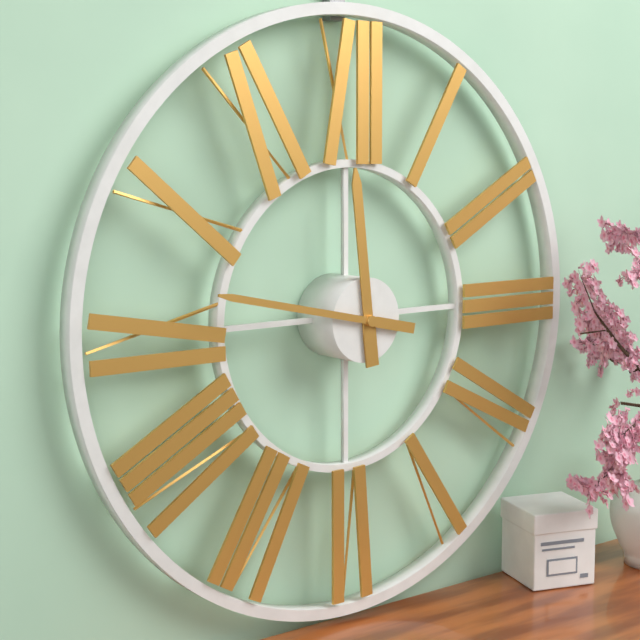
11:47
